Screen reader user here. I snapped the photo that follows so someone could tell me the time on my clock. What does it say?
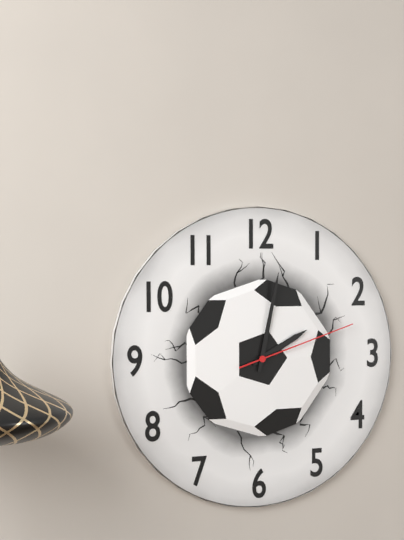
2:02:12
